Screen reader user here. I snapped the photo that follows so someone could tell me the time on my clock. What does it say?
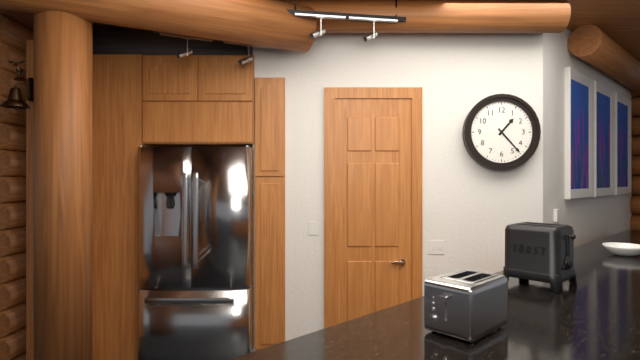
1:23
